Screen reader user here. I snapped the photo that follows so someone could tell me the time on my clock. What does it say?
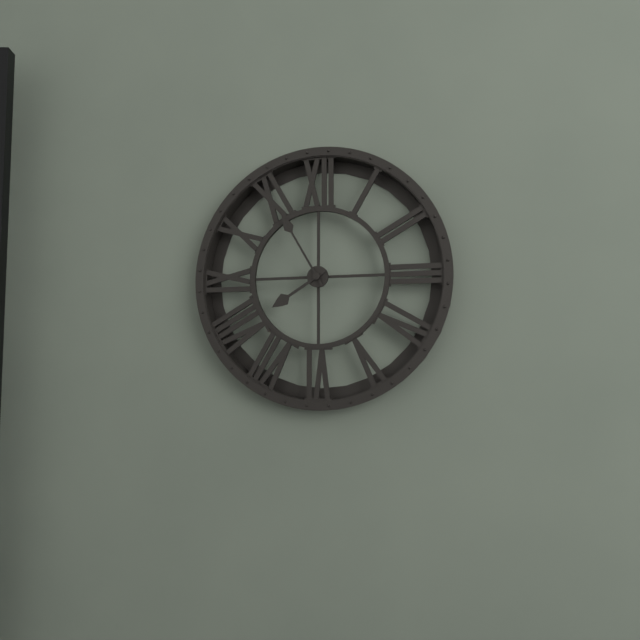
7:55
